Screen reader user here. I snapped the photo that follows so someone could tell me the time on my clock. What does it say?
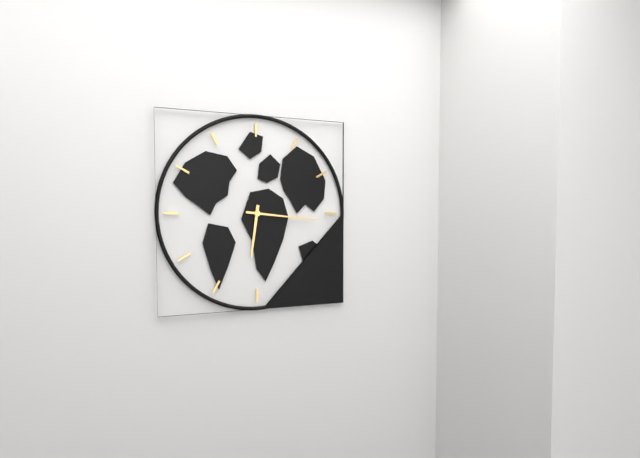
6:16
